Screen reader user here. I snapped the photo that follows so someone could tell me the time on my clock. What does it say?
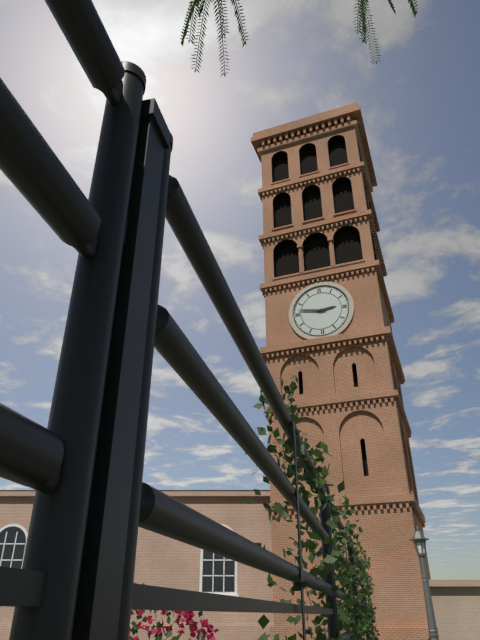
2:47
